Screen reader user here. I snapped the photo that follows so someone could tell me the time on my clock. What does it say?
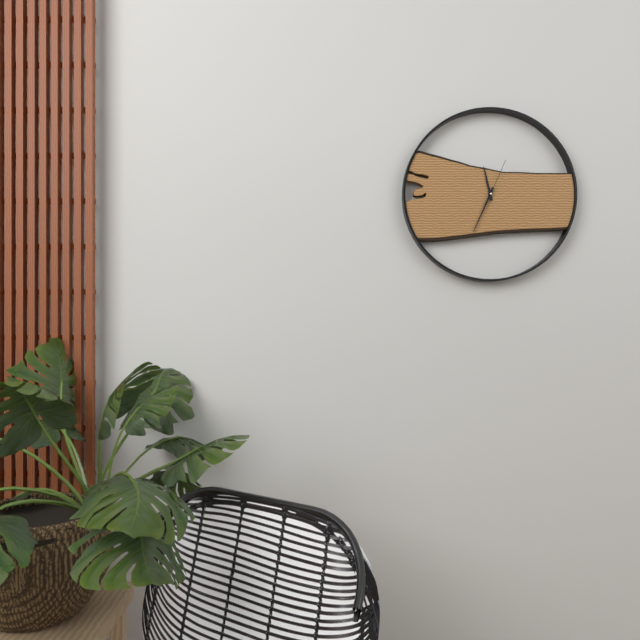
11:34
